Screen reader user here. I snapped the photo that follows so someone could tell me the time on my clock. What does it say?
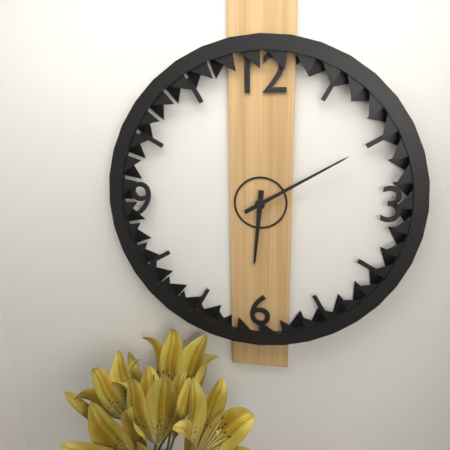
6:10
